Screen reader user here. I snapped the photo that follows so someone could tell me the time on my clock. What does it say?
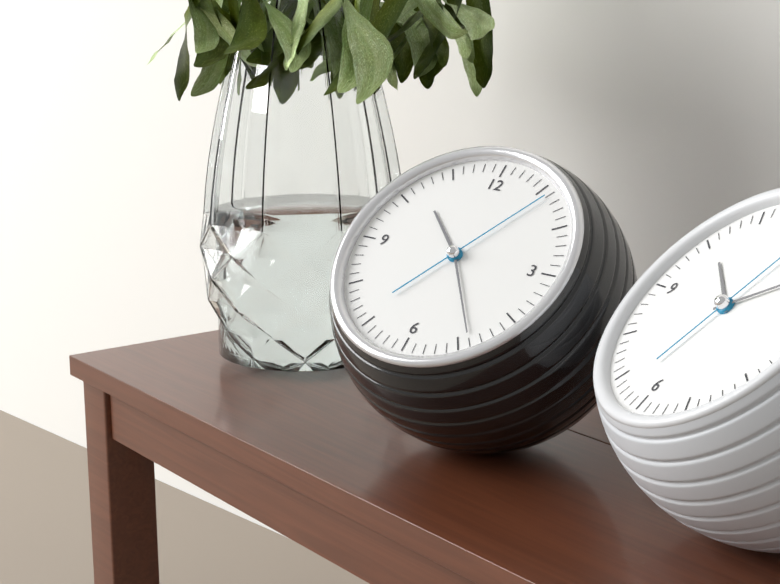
10:24:06
